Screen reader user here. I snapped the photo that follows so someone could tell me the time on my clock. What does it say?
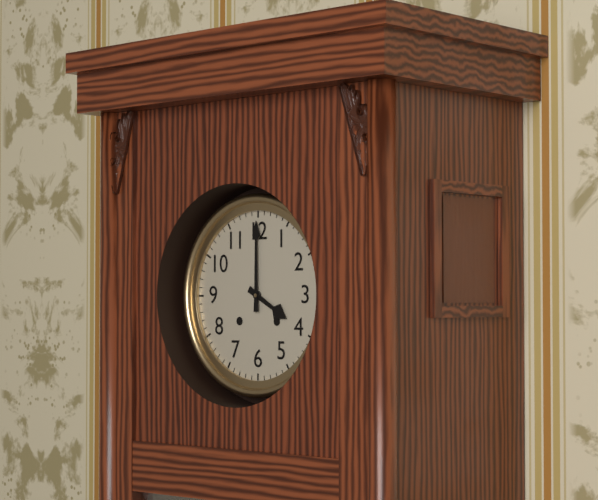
4:00
